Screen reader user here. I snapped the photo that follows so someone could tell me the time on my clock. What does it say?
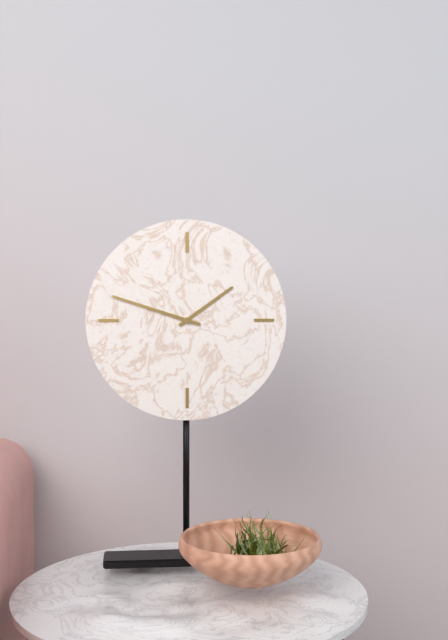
1:48
